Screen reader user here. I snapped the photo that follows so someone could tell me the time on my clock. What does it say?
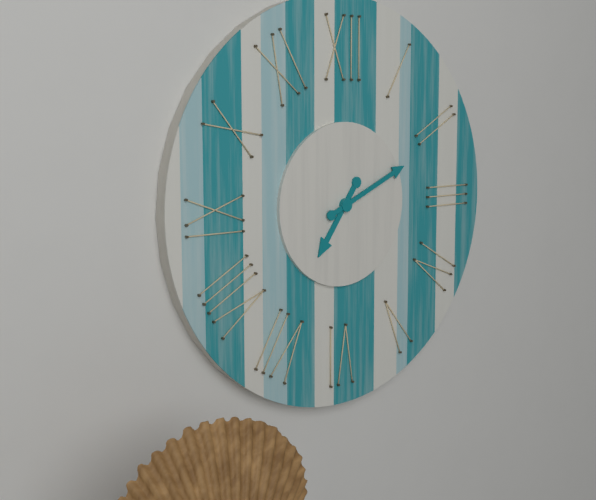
7:11
